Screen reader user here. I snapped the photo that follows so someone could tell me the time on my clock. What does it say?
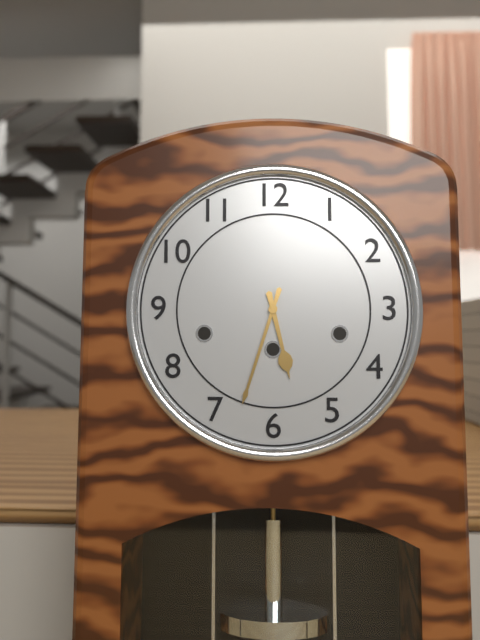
5:33
